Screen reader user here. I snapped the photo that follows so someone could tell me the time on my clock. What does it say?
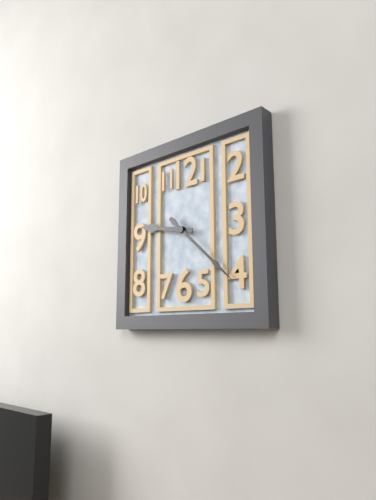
9:22
